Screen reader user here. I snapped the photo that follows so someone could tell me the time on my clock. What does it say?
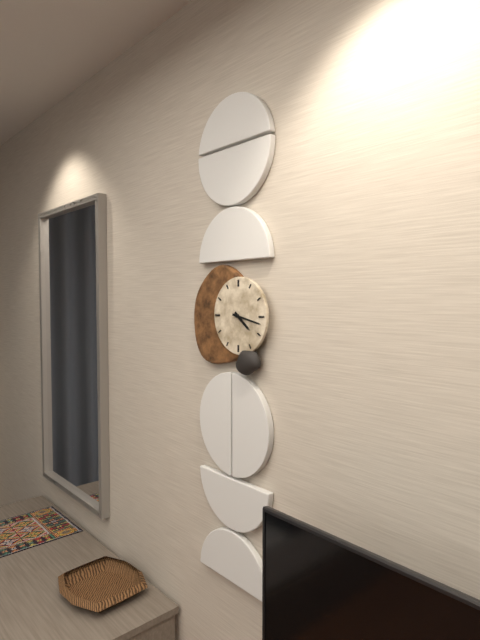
4:17
